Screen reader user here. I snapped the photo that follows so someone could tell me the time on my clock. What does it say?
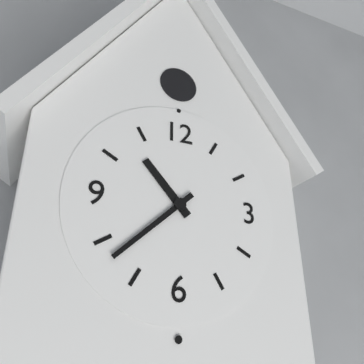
10:38
